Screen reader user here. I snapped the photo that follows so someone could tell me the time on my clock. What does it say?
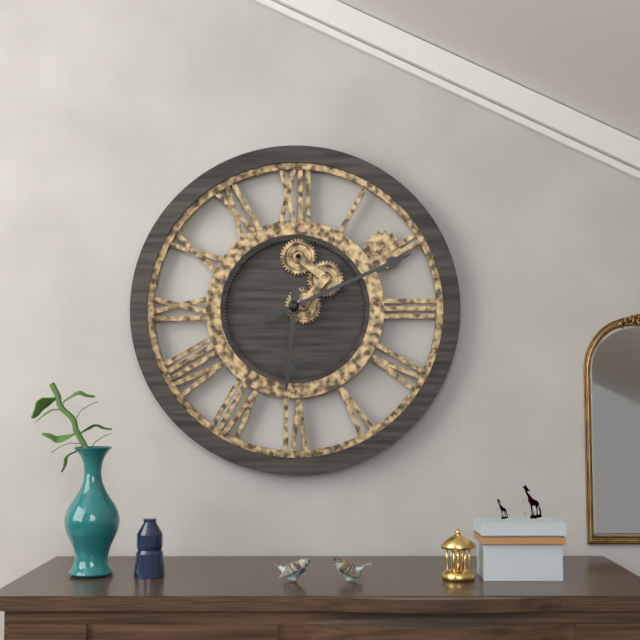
6:11
